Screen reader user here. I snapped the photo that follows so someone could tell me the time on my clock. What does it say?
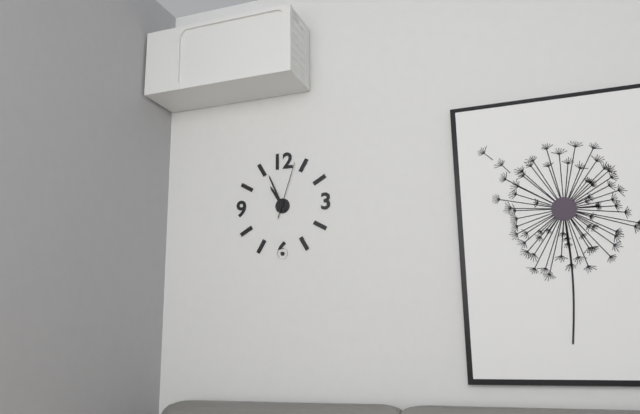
10:56:03
